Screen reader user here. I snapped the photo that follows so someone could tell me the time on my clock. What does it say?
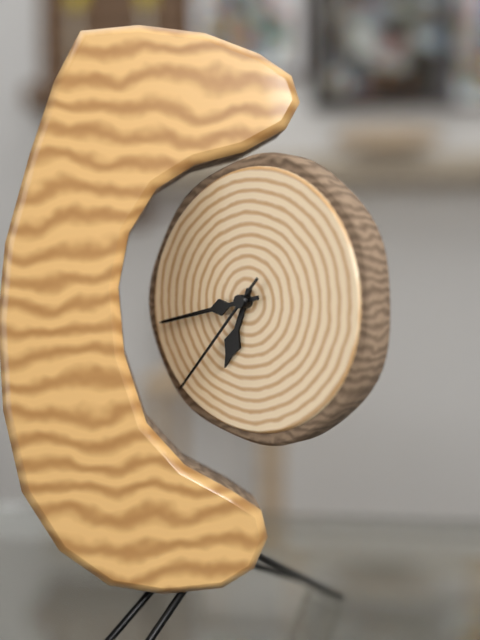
6:43:37
